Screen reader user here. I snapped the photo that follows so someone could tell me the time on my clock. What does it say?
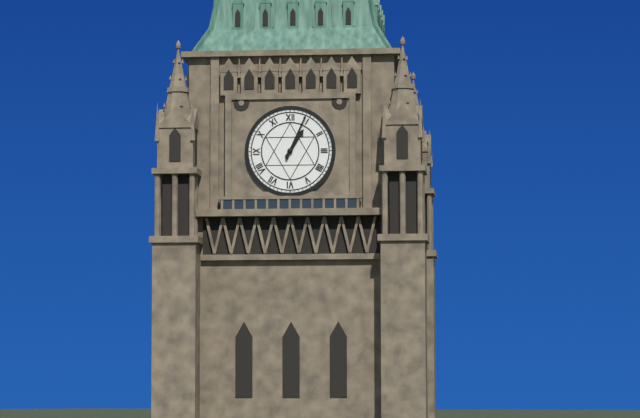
1:04
